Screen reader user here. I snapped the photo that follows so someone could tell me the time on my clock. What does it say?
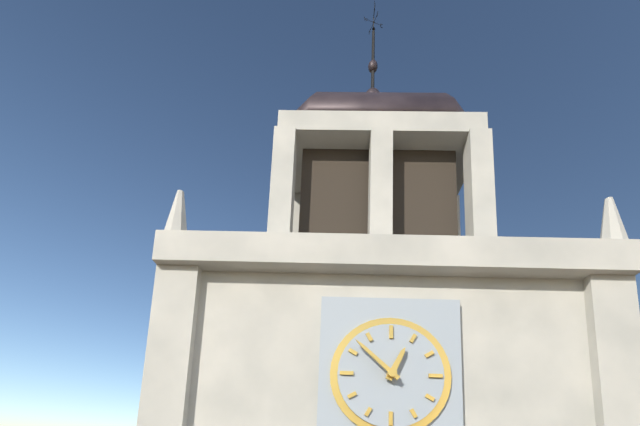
12:52
